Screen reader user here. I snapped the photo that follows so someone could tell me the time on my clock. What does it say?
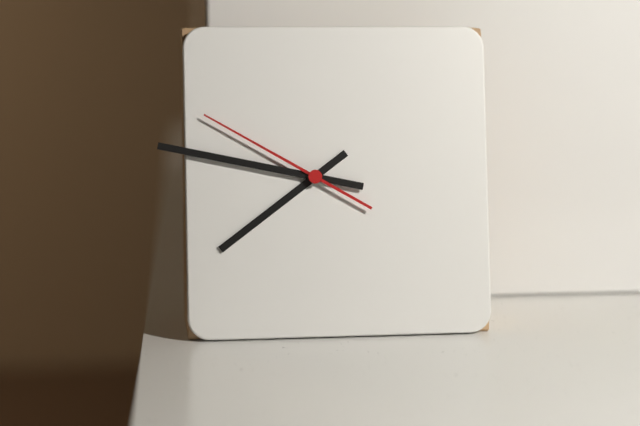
7:47:50
